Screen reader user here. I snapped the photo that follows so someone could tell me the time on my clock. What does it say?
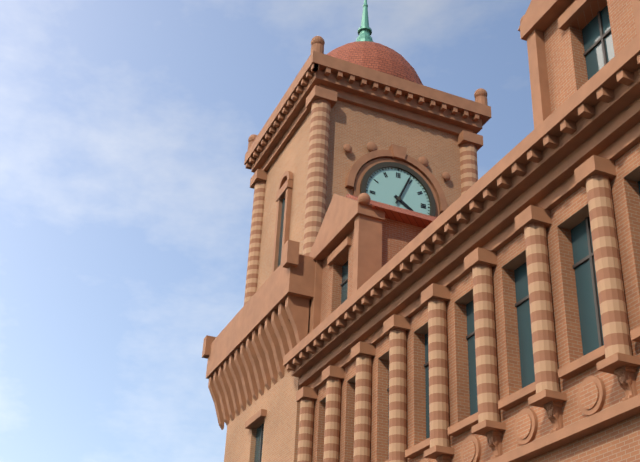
4:04
